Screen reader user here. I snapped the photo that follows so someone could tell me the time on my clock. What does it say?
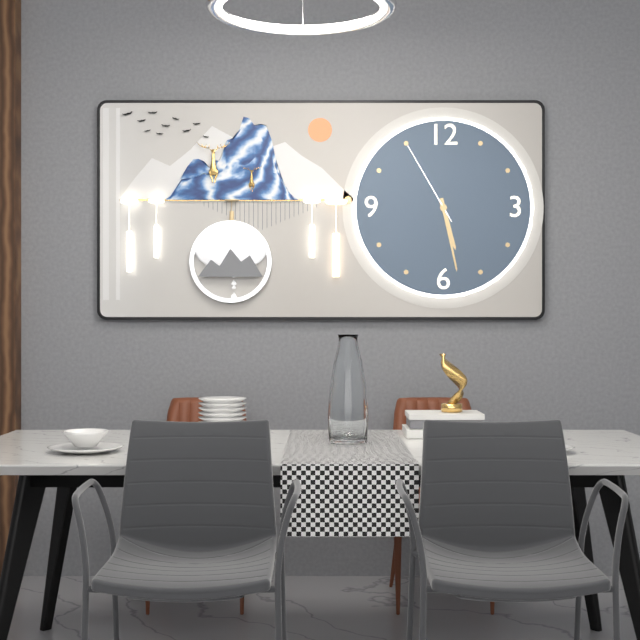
5:28:55
